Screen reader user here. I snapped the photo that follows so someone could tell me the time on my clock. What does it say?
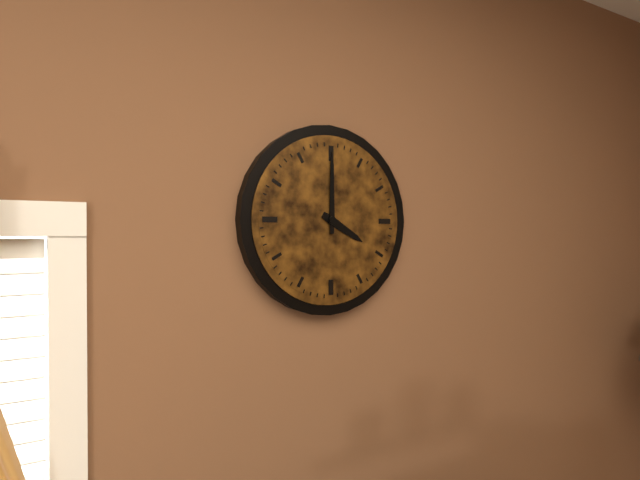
4:00
